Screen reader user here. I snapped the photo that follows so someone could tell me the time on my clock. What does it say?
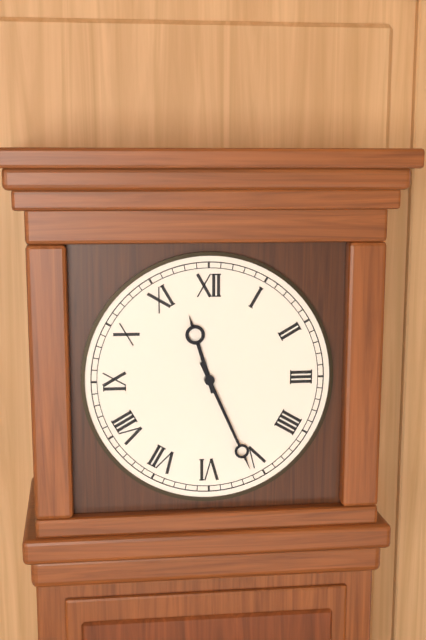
11:26
